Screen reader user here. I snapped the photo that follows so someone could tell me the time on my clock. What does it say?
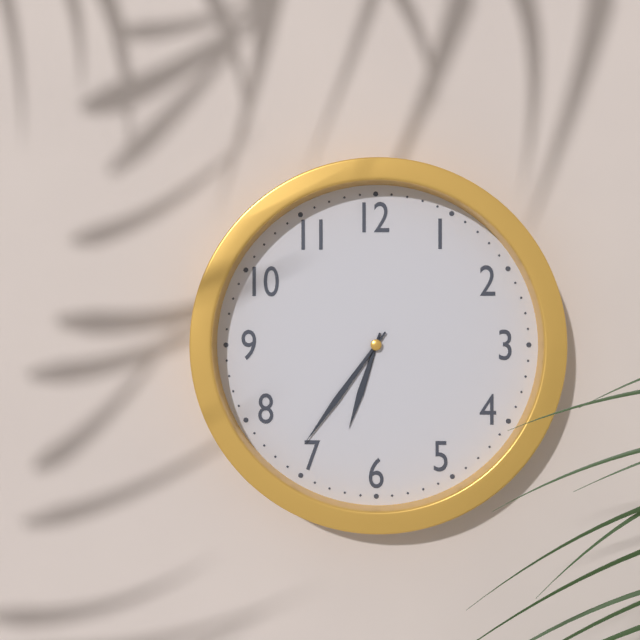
6:36
